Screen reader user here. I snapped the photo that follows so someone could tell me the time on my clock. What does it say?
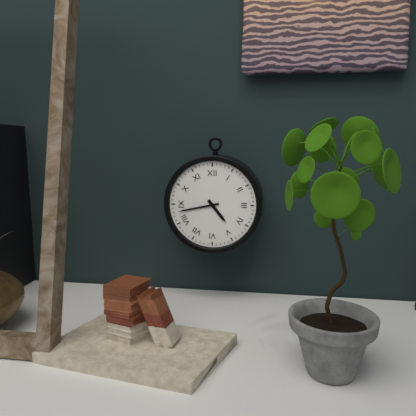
4:43
